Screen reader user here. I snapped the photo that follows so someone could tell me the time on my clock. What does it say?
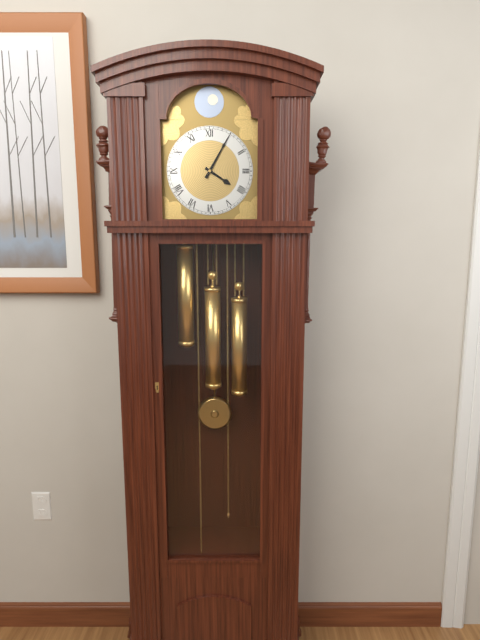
4:05
